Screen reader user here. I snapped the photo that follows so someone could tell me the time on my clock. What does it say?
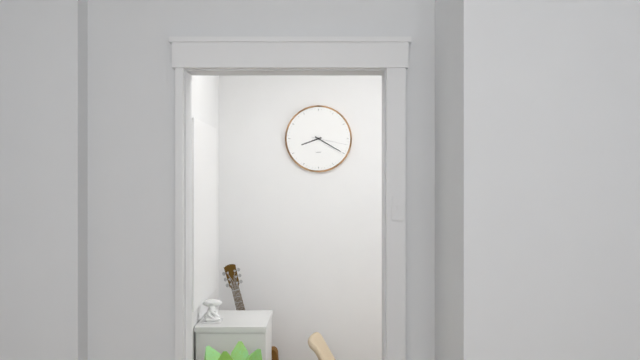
8:20
